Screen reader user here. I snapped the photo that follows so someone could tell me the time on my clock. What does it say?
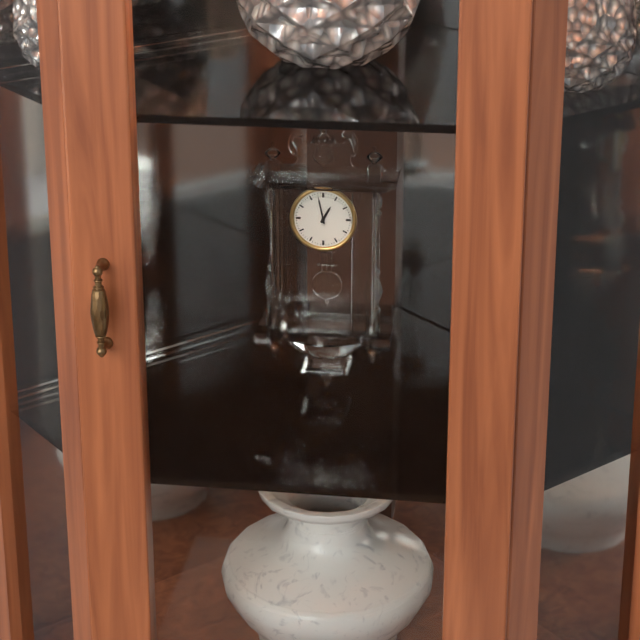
12:58
